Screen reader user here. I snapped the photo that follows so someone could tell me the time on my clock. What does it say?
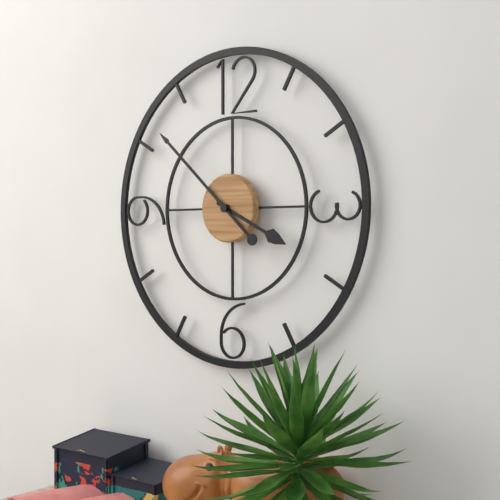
3:52
